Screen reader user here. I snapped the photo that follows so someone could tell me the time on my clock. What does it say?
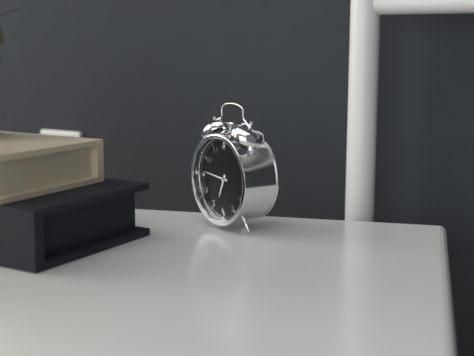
6:46
